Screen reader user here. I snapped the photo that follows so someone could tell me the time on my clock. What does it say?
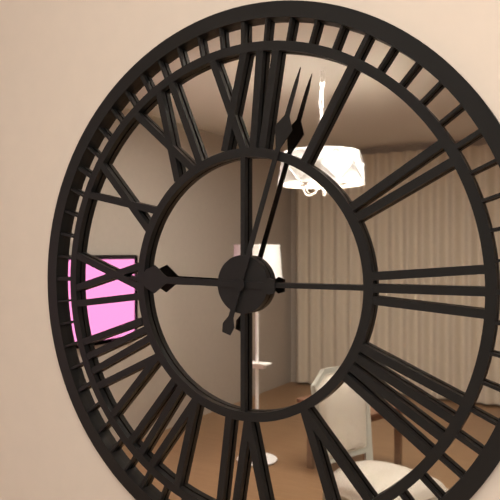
9:03
